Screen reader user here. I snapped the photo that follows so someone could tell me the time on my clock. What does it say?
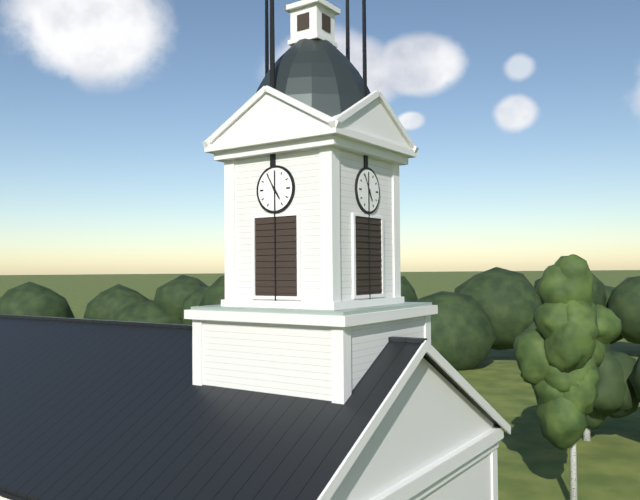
4:55
